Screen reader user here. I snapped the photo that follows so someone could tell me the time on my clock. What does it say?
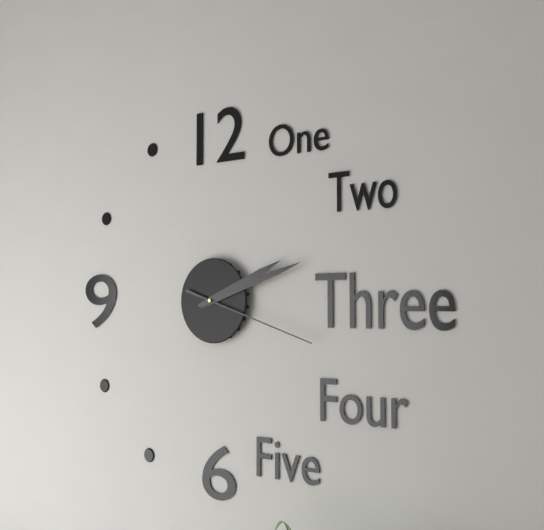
2:12:18
